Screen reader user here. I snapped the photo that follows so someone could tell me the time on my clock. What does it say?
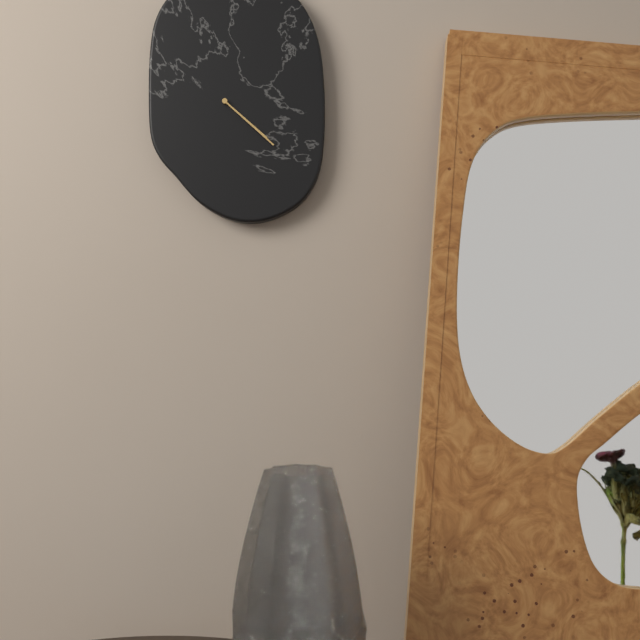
4:22
